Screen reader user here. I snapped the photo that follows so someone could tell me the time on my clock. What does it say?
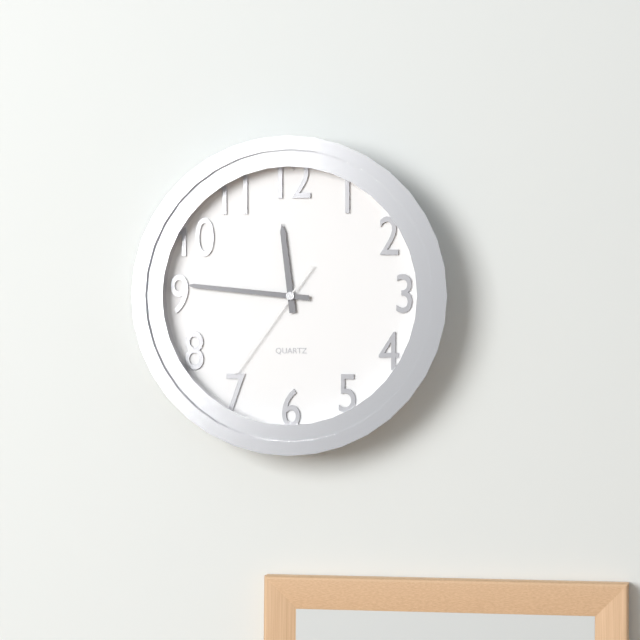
11:46:36
